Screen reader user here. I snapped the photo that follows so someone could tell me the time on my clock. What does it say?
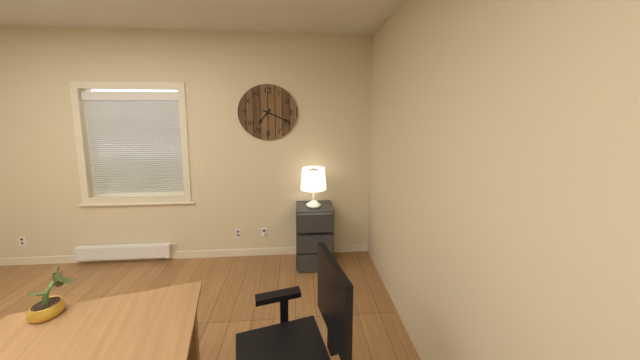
7:19
